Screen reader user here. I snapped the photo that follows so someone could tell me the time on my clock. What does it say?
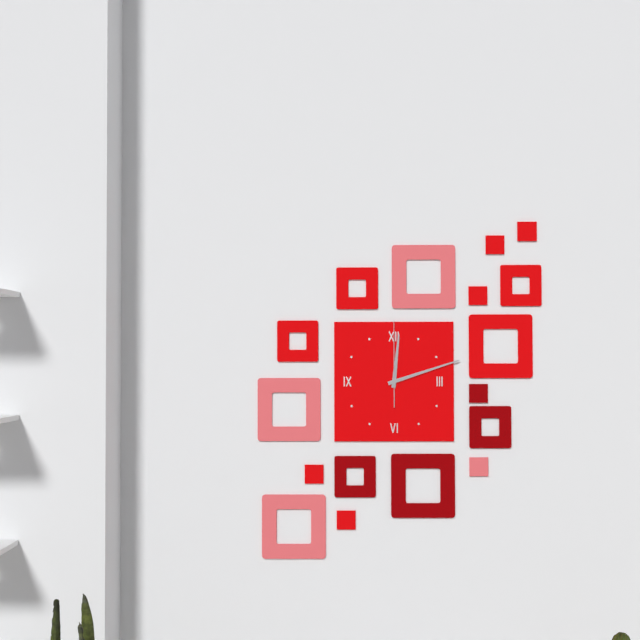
12:12:00
